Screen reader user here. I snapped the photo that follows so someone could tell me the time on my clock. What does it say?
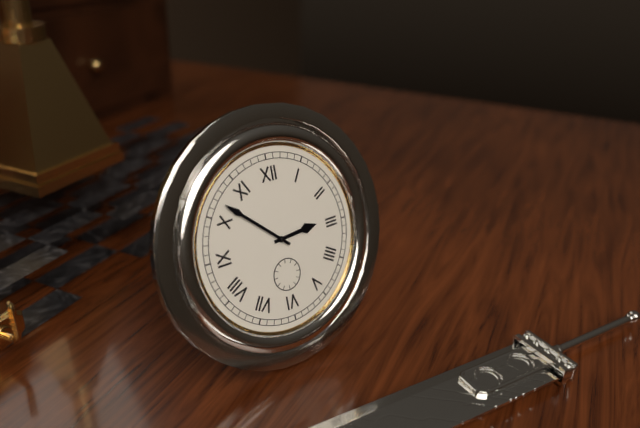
2:52
